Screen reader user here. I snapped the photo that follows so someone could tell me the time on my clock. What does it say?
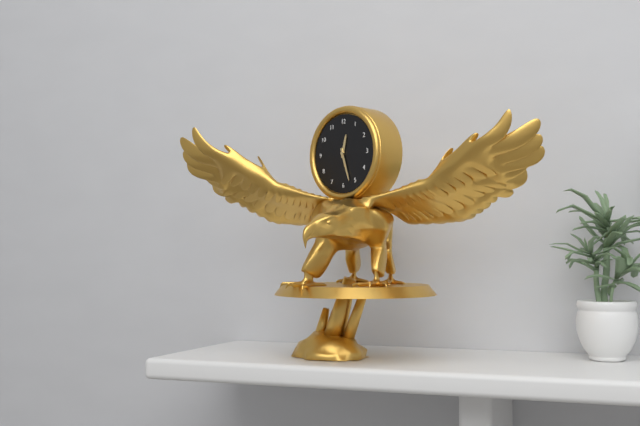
12:27
